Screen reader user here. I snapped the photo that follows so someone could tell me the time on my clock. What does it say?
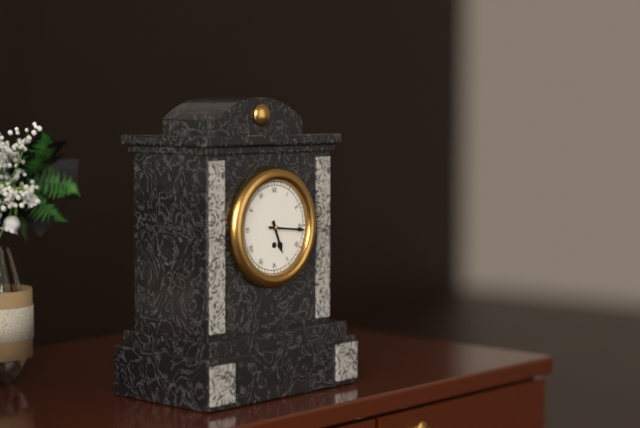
5:16
